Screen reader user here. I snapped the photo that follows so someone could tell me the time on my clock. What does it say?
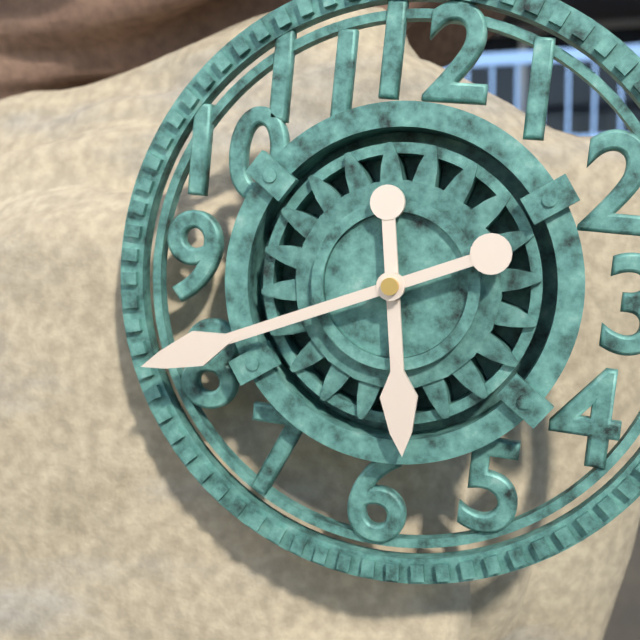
5:41
